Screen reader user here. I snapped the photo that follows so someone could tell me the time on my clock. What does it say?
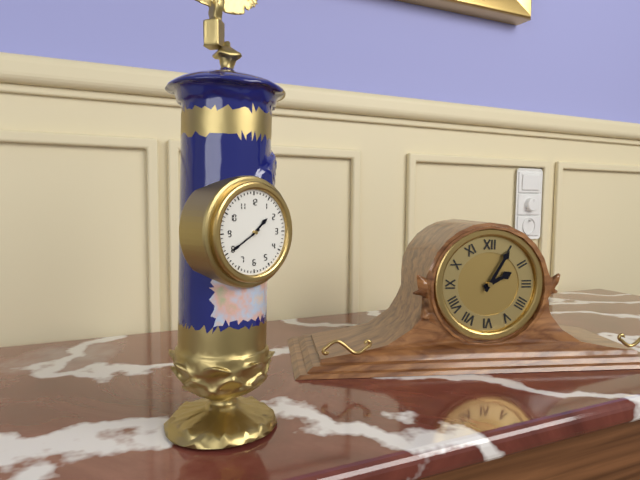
1:40
